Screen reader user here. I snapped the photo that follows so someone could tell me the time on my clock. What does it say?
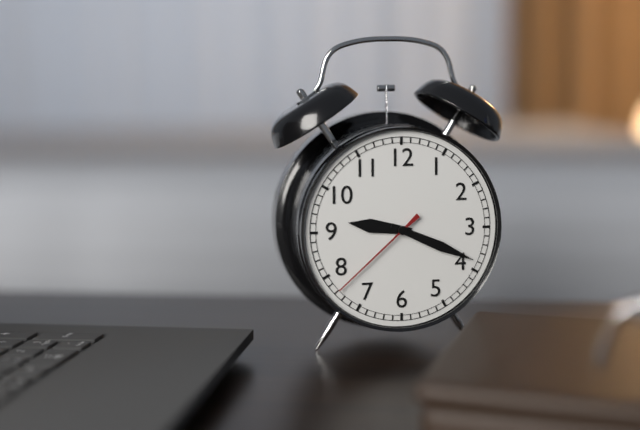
9:19:38
